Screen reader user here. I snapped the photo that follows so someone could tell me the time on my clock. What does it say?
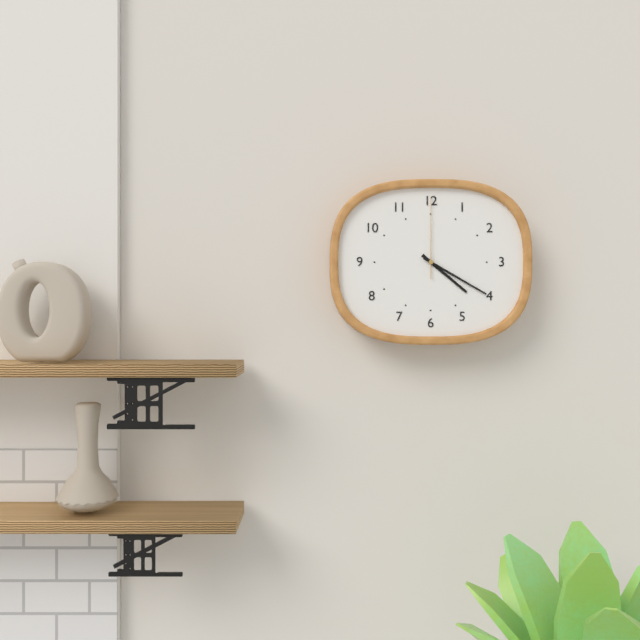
4:20:00
